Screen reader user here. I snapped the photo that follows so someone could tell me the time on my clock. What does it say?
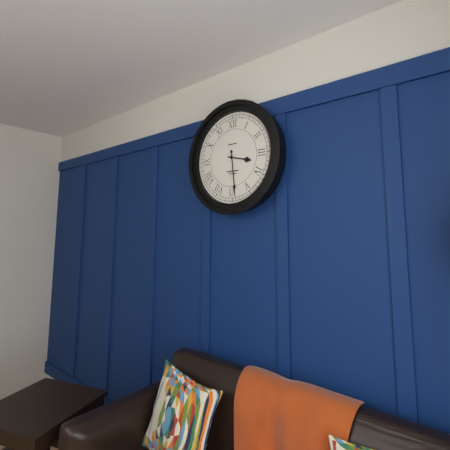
3:29
